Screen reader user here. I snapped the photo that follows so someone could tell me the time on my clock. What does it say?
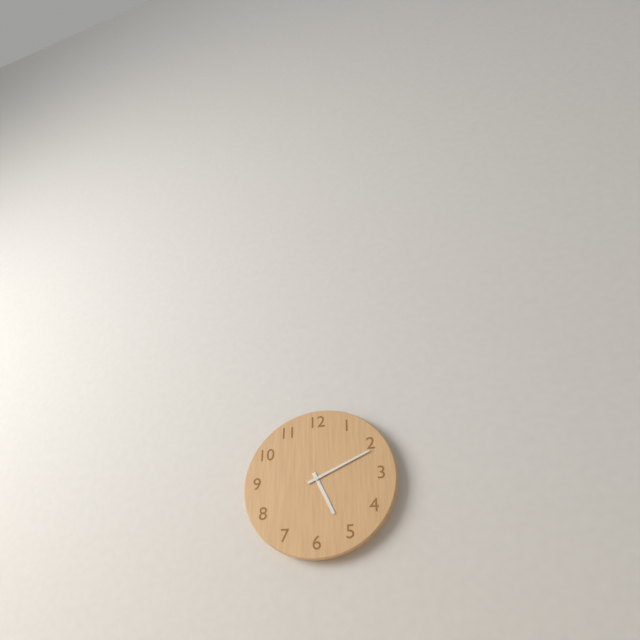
5:11
